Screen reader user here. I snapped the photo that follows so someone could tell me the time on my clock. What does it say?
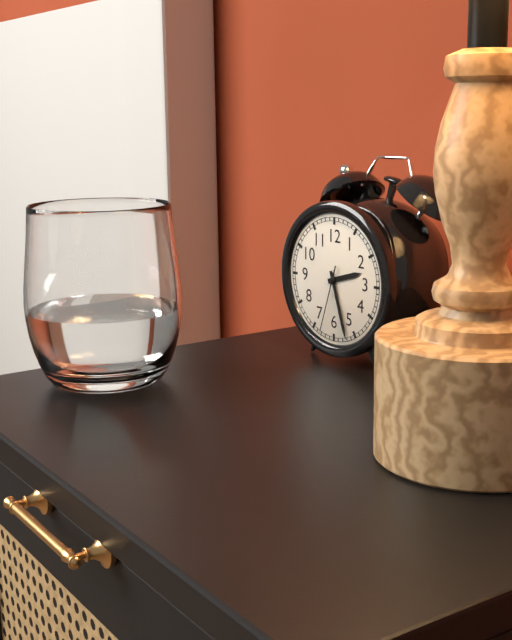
2:27:33
